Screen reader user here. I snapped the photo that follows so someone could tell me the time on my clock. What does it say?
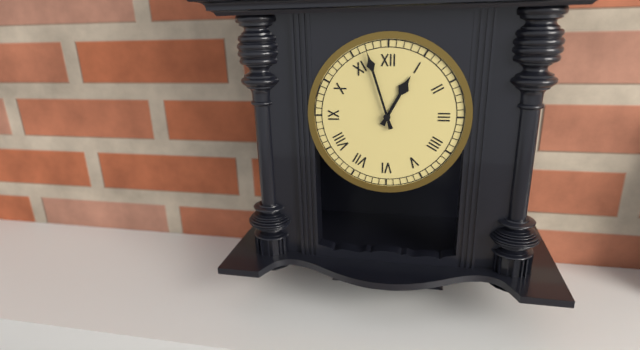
12:57
